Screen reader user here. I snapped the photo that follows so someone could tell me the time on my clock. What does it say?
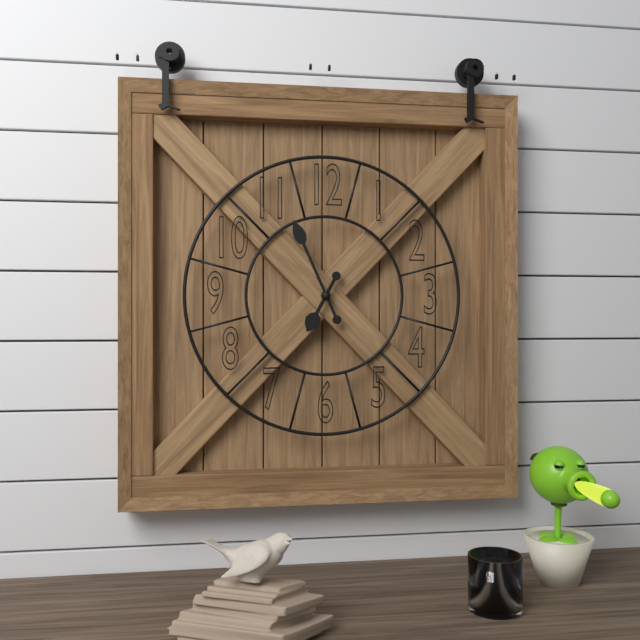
6:56
